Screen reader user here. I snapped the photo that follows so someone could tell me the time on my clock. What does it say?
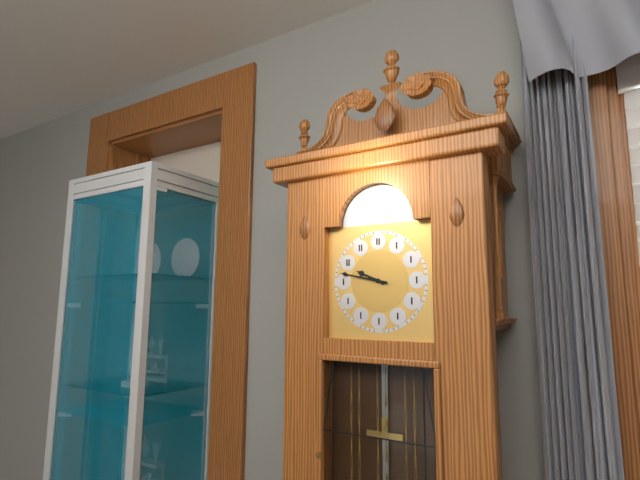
9:47
